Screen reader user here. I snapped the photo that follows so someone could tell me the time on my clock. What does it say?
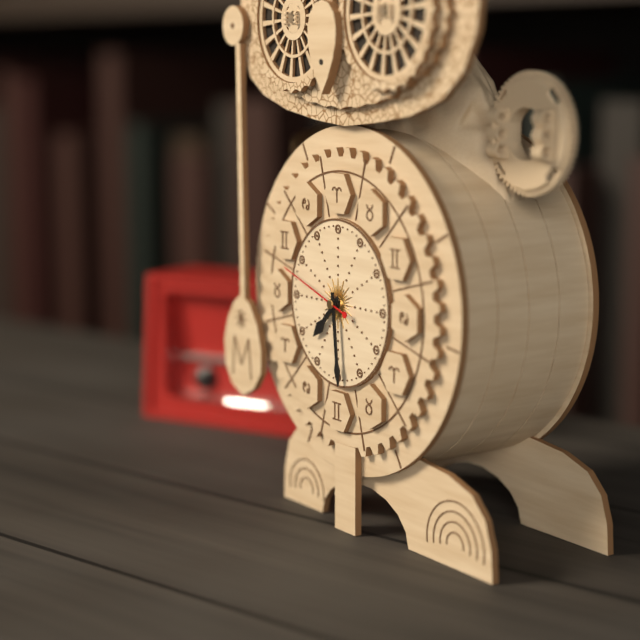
7:29:48
